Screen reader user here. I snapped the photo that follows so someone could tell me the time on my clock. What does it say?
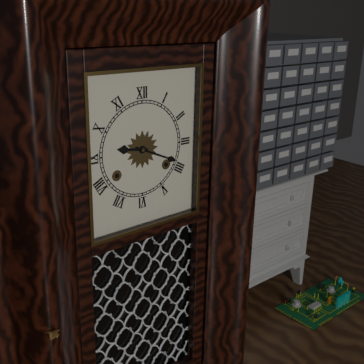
9:19
